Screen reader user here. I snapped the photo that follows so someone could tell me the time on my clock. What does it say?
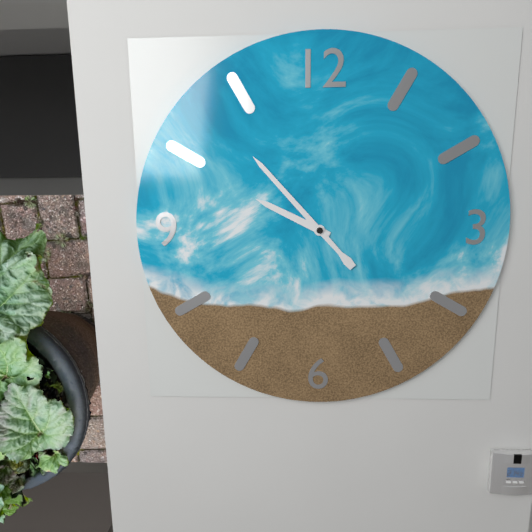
9:53
